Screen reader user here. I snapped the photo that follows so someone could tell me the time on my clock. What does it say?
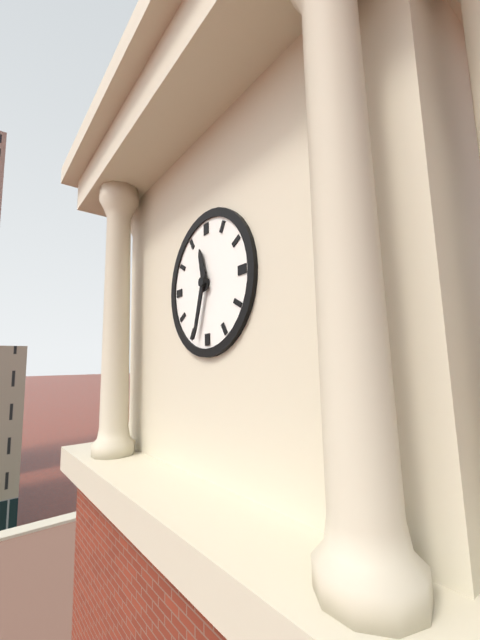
11:33
